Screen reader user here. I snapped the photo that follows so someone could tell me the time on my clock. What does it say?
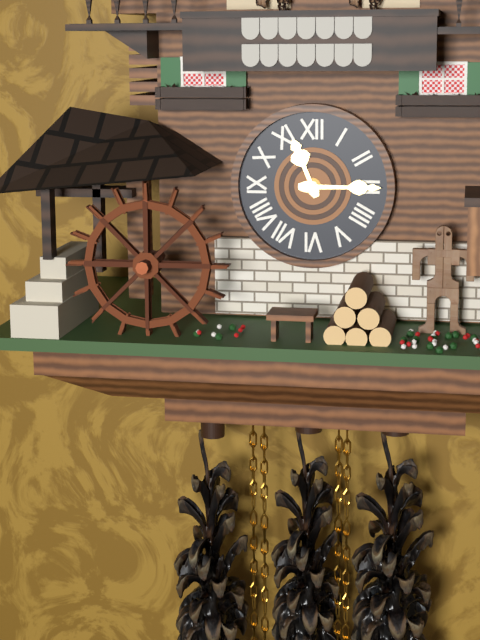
11:15
